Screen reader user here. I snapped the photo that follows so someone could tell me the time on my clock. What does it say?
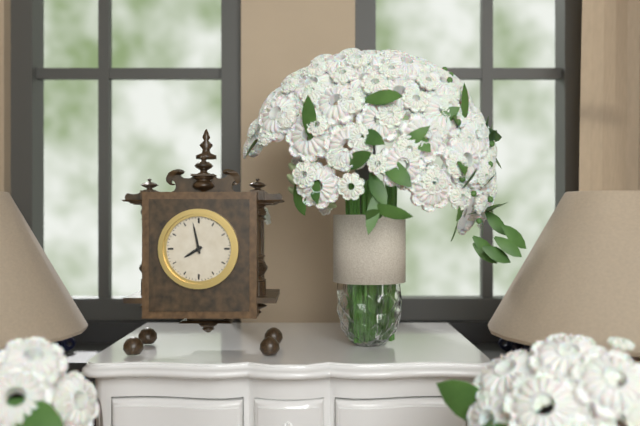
7:58
